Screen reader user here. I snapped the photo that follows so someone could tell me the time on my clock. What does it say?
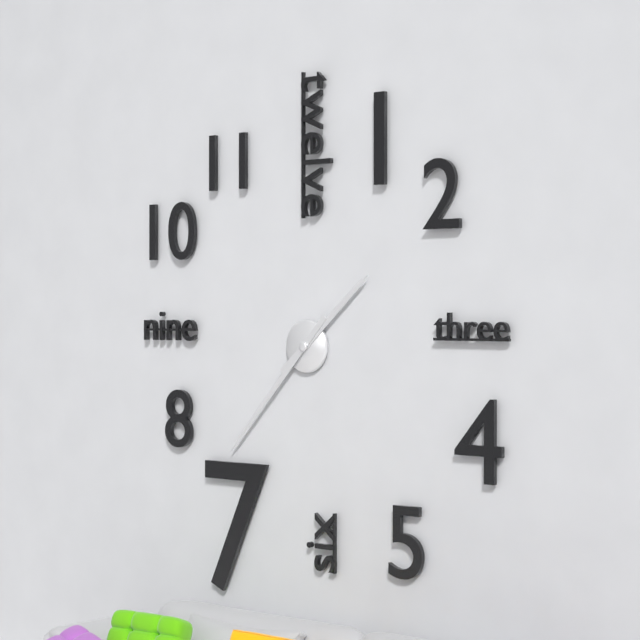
1:37
